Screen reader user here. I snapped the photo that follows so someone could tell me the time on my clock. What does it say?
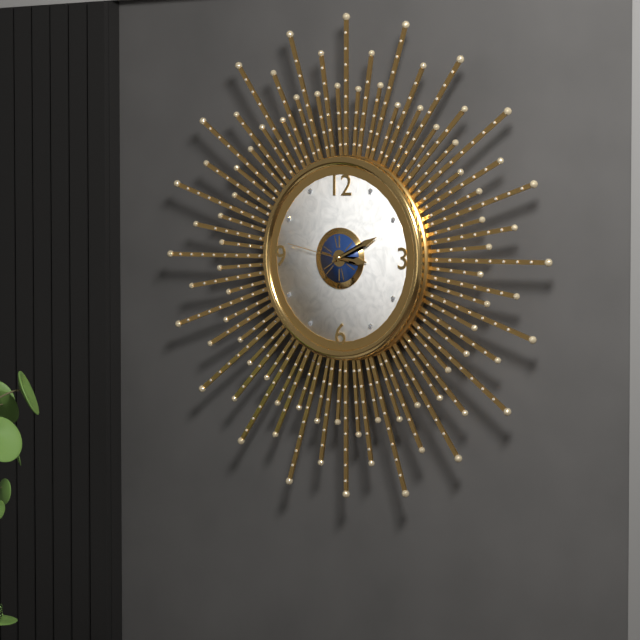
3:11:47
